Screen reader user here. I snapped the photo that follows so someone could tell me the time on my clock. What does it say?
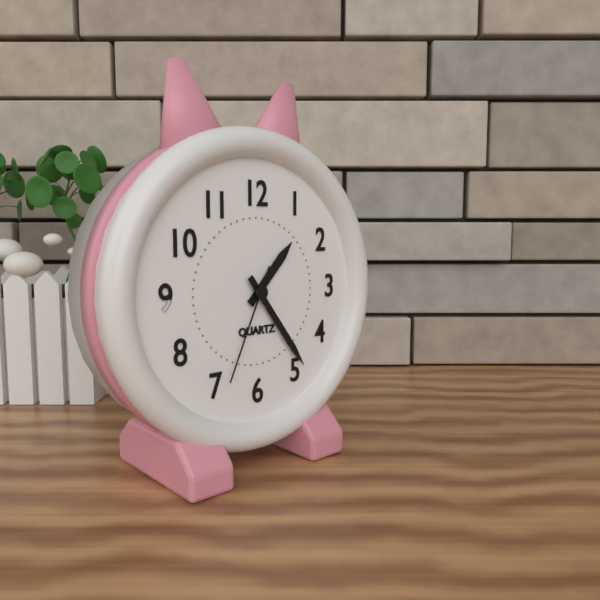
1:24:34
